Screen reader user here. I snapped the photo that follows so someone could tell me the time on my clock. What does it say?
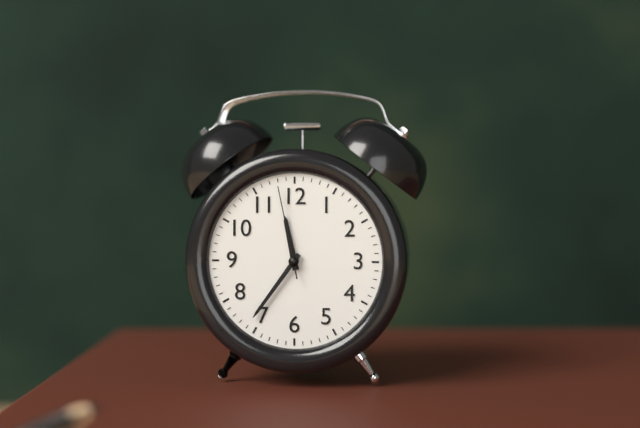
11:36:58
